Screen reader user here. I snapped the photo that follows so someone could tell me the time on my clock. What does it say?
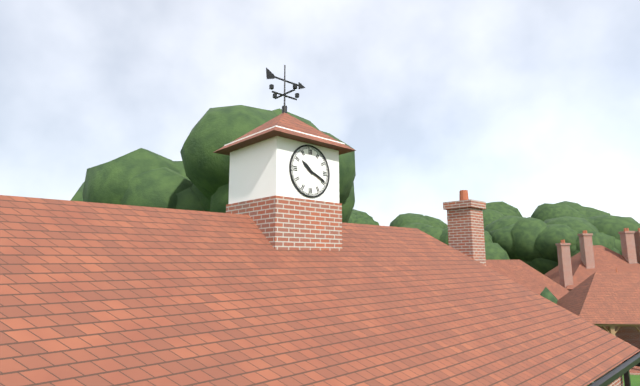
10:19
